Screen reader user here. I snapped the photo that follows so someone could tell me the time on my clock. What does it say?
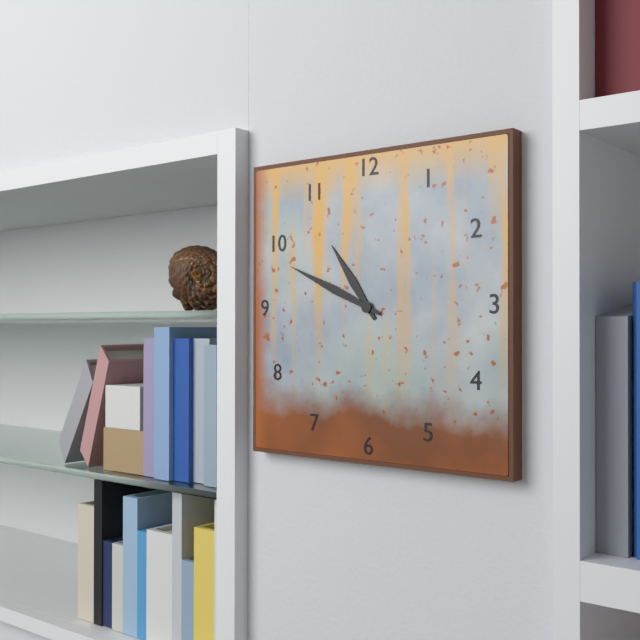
10:49
